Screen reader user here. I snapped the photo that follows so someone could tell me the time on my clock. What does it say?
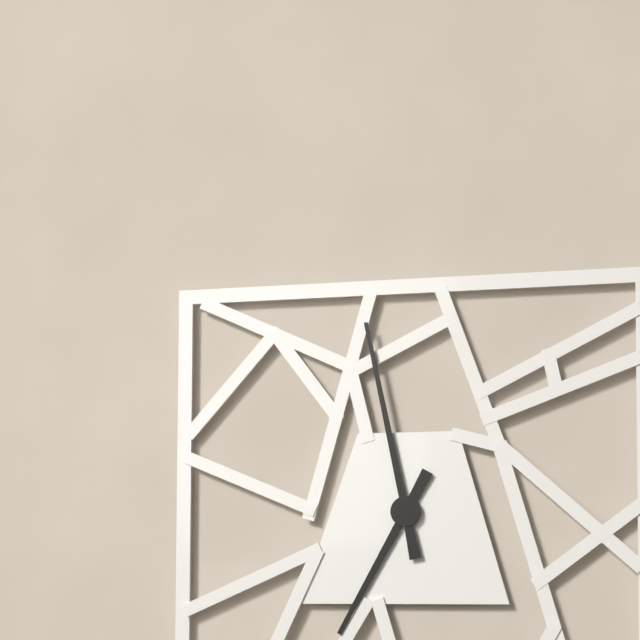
6:58
